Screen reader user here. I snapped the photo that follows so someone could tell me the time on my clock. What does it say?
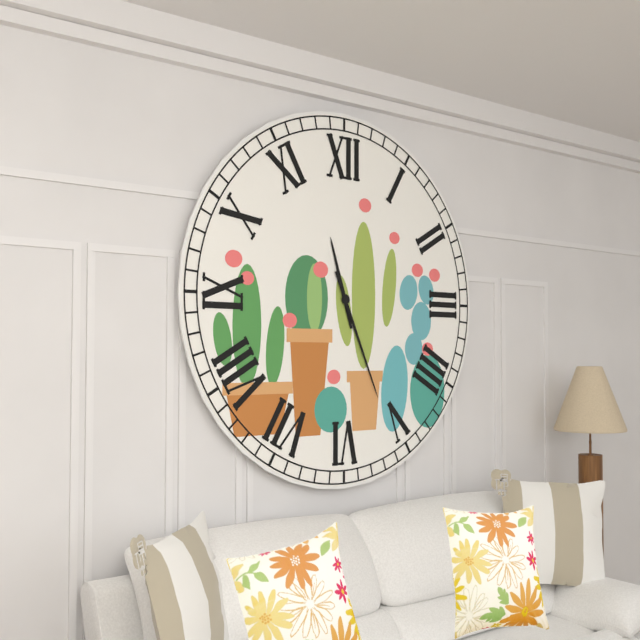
11:26
